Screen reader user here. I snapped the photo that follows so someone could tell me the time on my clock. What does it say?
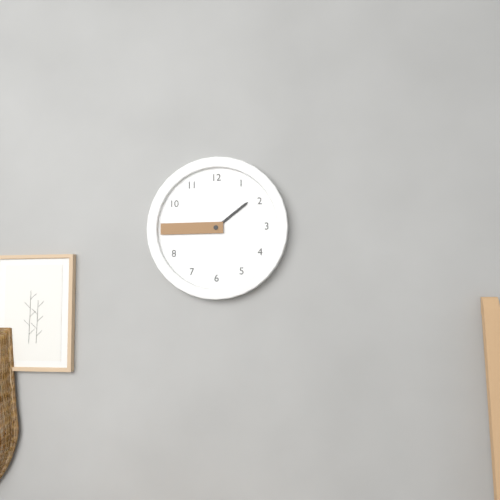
1:45
